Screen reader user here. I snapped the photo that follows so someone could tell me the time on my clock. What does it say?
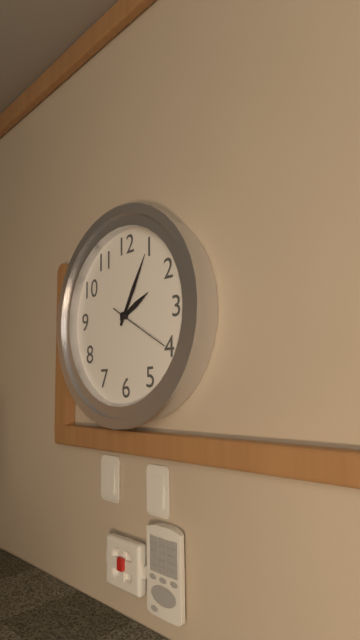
2:05:20
